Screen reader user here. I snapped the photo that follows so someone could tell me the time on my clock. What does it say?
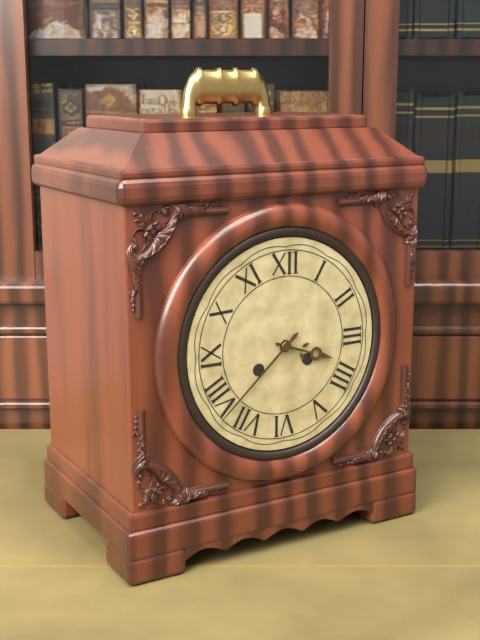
3:38
